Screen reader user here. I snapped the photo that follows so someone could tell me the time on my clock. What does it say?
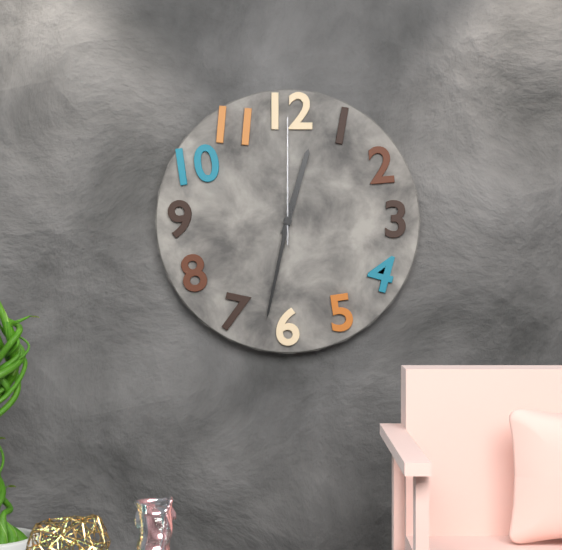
12:32:00
